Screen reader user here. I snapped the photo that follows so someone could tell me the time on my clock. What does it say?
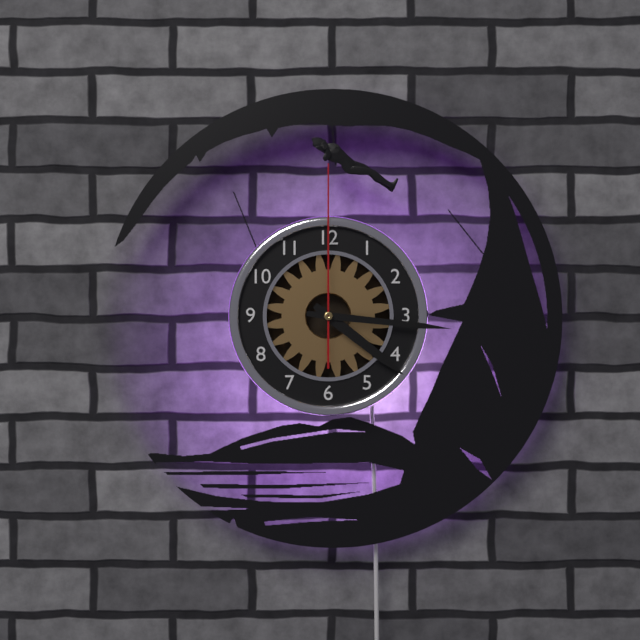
4:16:00
